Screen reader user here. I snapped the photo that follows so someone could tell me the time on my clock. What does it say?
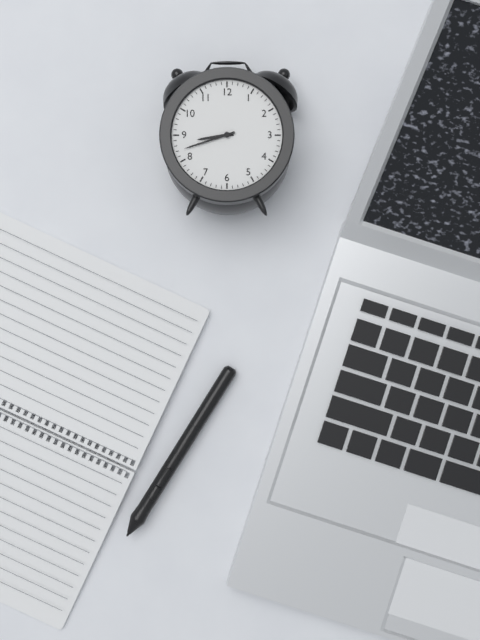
8:42
